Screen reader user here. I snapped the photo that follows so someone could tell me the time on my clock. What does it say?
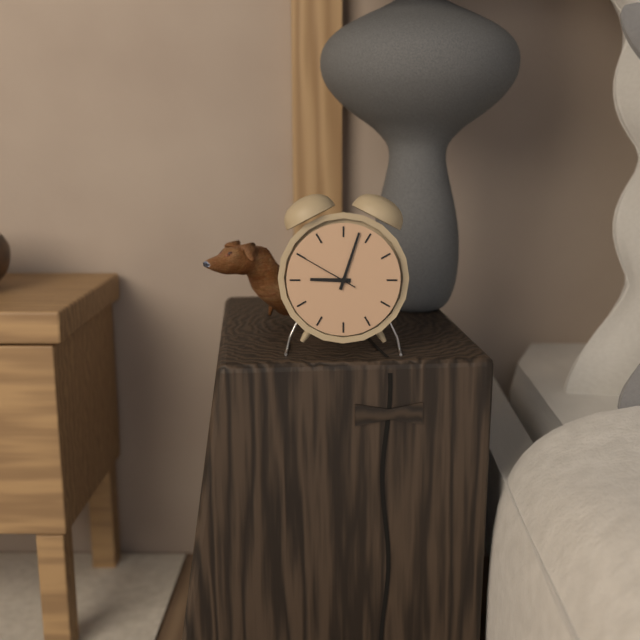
9:03:50
